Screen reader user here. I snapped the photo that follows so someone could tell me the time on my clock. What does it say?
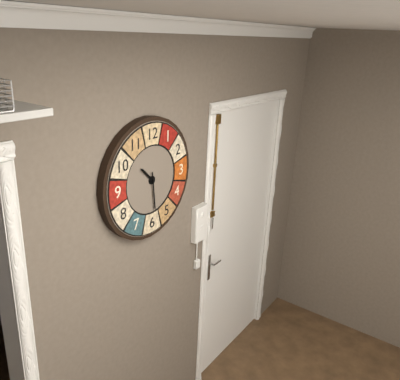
10:29
